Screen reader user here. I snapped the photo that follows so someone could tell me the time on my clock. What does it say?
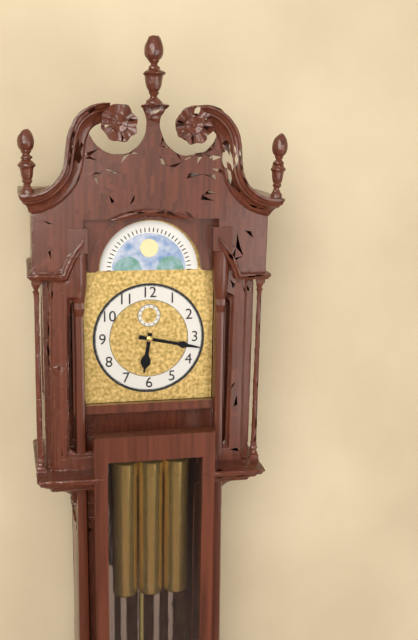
6:17
